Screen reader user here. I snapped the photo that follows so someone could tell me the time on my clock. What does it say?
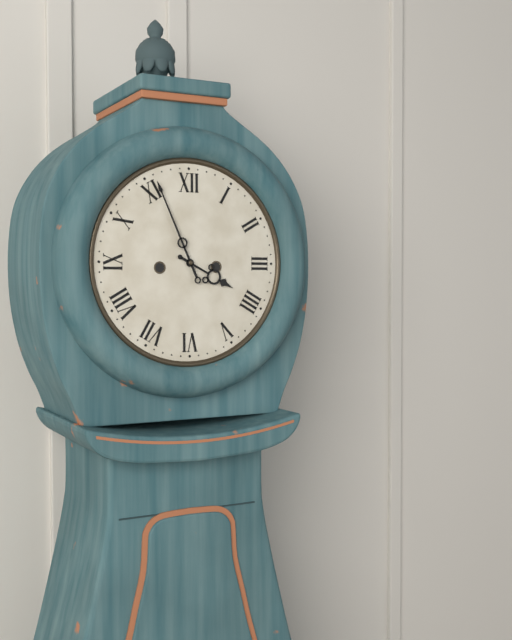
3:56
